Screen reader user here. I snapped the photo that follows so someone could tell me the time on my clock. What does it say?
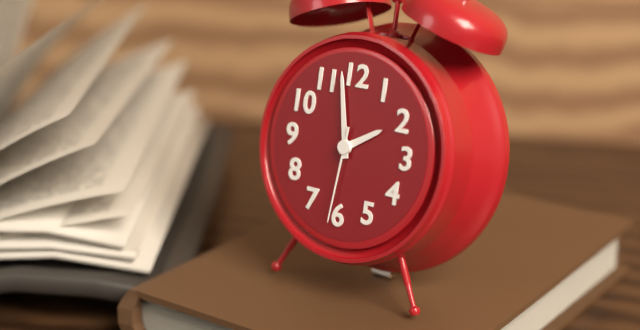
1:58:31
